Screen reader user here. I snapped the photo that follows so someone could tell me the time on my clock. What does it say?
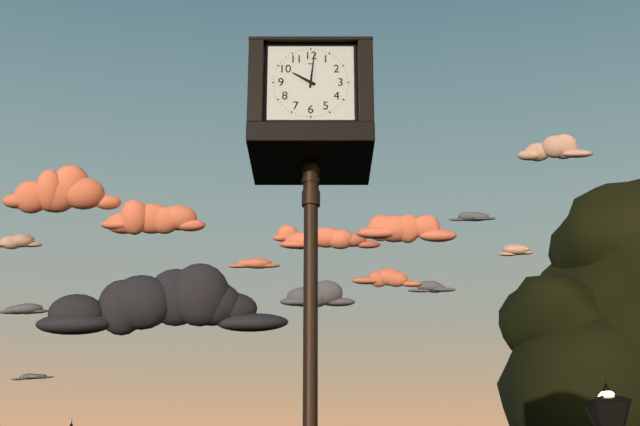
10:01
